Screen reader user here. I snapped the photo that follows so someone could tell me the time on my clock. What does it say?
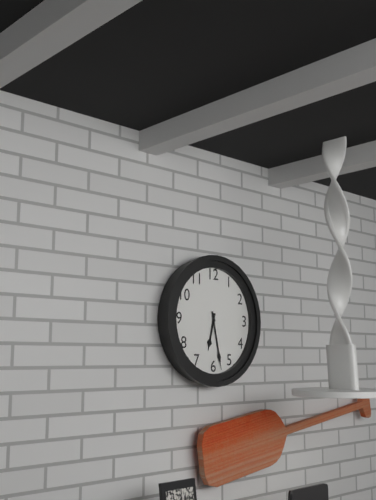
6:28
